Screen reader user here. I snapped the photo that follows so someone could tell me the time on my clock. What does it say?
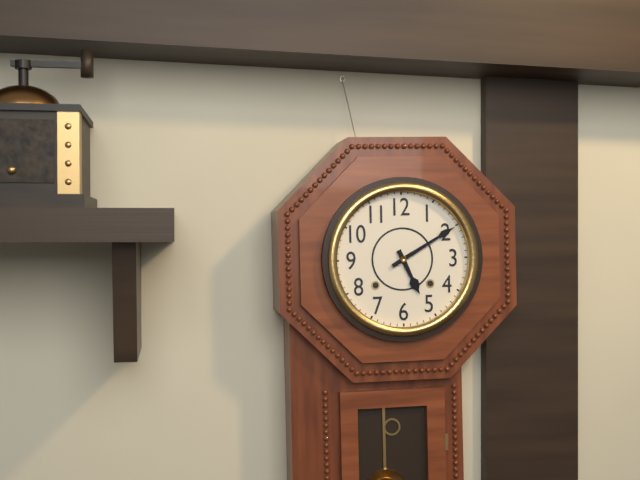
5:10
